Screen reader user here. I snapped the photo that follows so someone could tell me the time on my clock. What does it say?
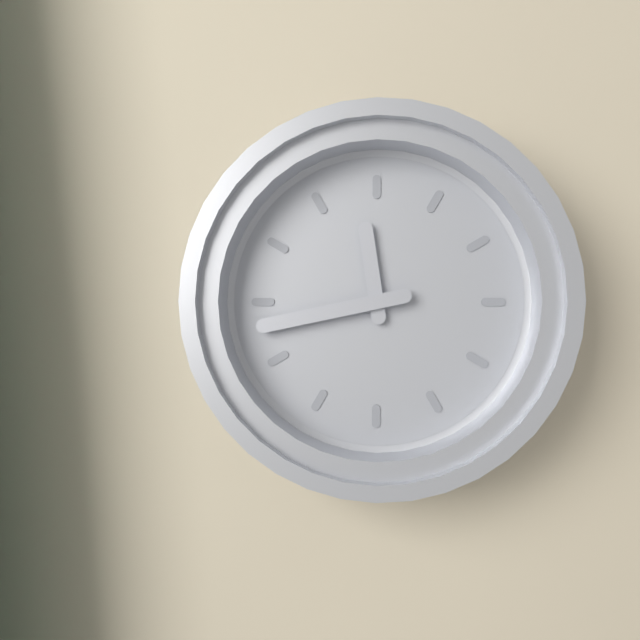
11:43
